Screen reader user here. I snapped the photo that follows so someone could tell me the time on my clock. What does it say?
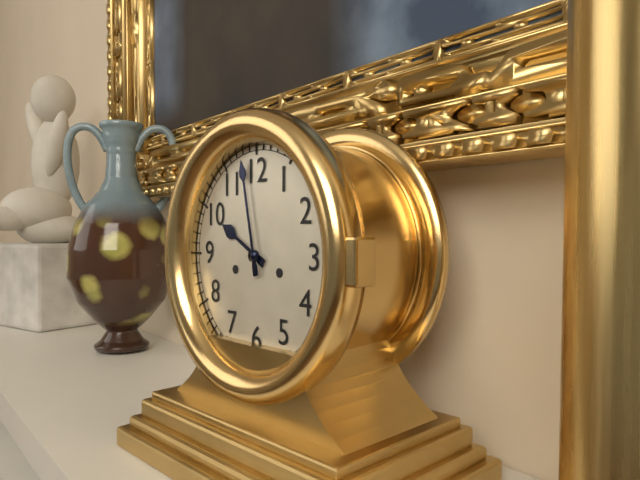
9:58
